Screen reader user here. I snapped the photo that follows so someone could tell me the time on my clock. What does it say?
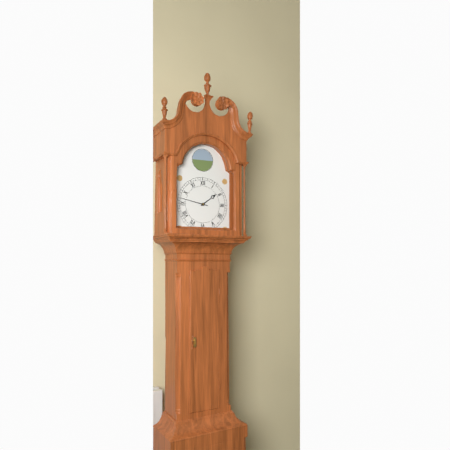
1:47
